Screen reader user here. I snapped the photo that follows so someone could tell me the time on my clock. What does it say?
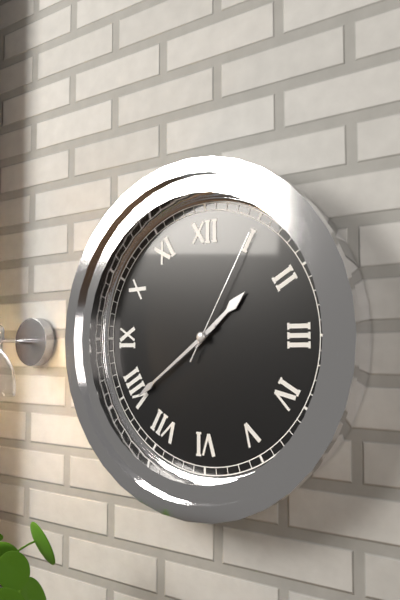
1:39:05
